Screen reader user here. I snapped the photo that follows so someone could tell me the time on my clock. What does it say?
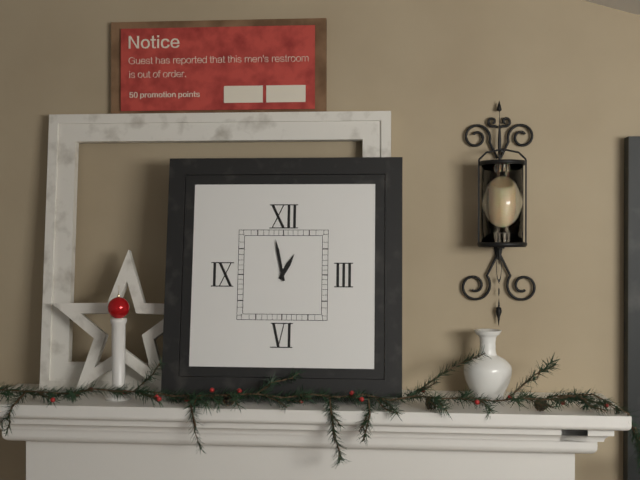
12:58
